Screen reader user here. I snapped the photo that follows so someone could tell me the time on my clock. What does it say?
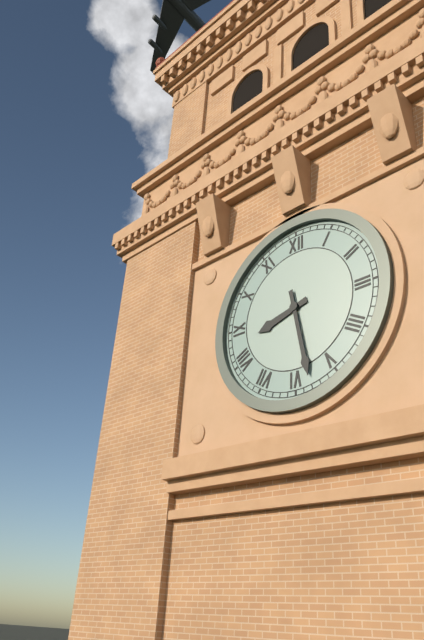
8:28
